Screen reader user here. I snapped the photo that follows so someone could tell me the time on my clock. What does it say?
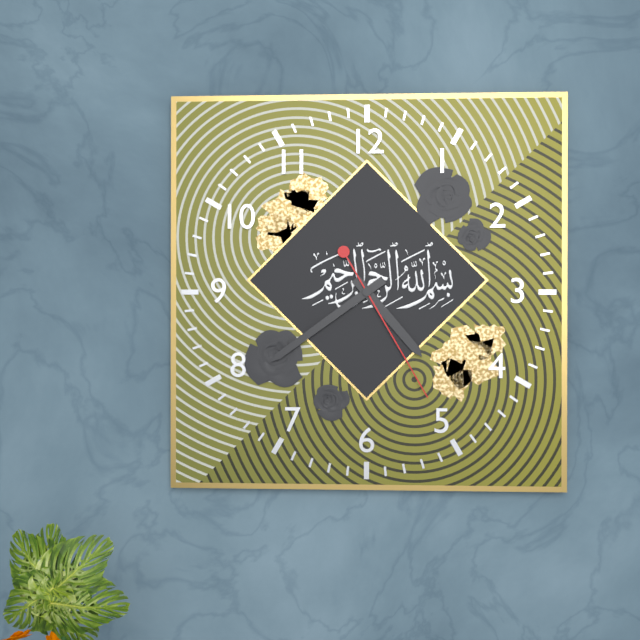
4:39:25
